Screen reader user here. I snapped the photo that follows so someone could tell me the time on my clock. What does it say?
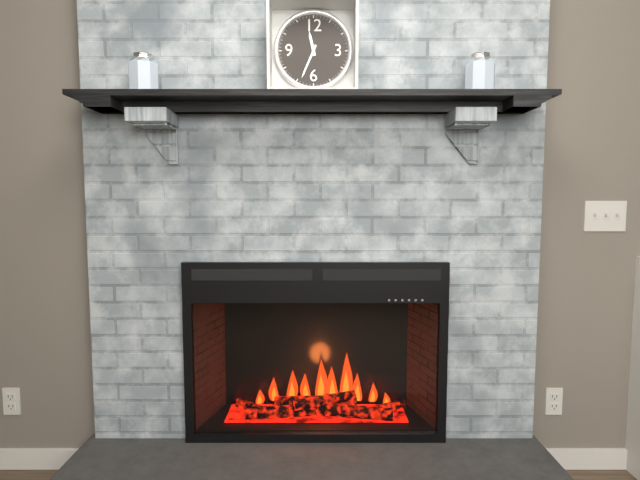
11:34
